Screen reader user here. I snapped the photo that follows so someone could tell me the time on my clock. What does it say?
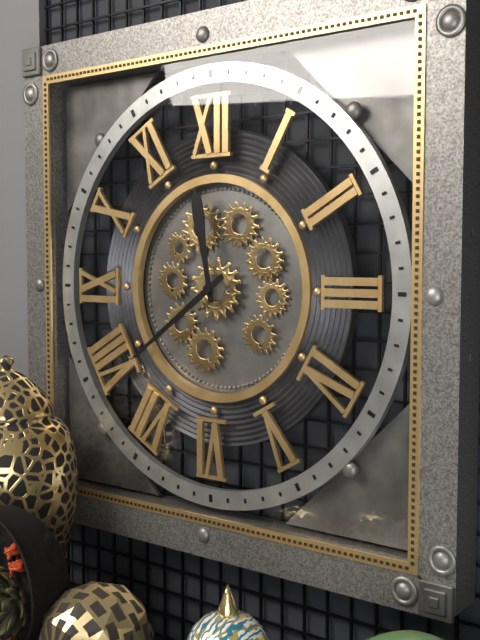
11:39
